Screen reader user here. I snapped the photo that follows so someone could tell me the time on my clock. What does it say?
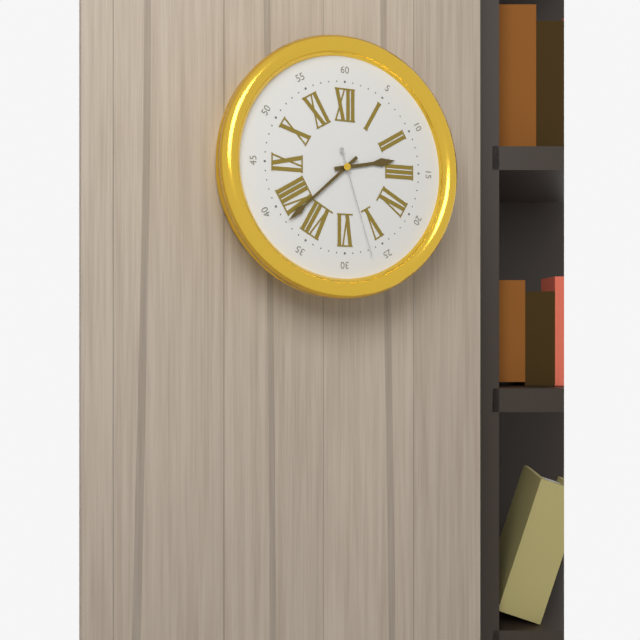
2:38:27
